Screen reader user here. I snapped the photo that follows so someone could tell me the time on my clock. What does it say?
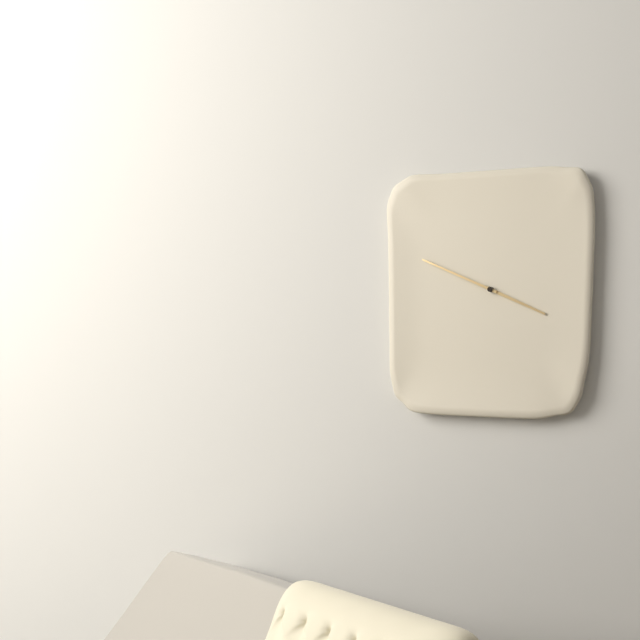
3:49
